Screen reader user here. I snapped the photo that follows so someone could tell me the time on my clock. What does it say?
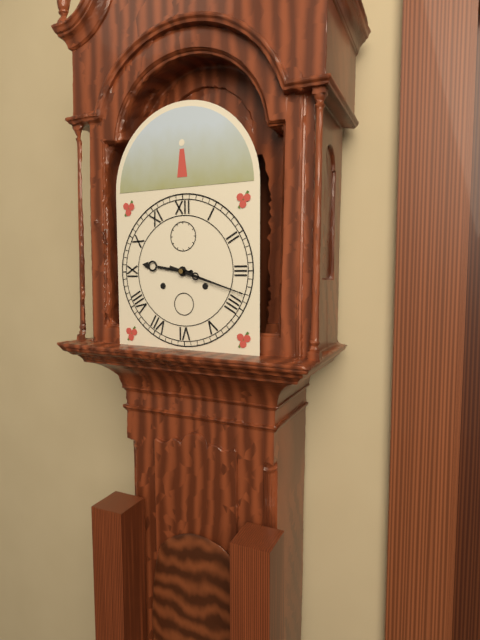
9:18
